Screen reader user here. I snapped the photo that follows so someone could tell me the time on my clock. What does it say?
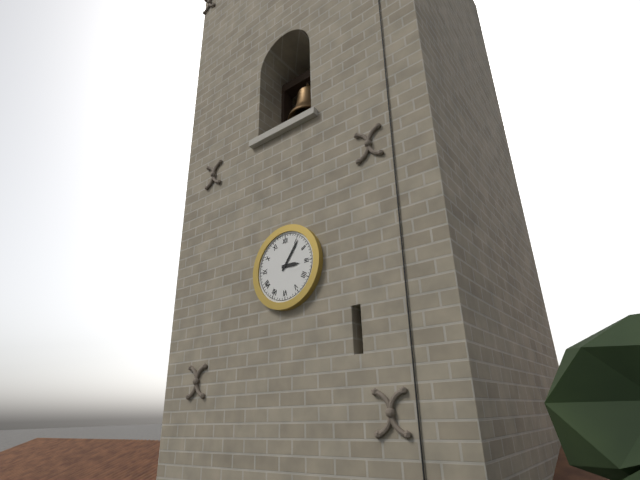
3:06
